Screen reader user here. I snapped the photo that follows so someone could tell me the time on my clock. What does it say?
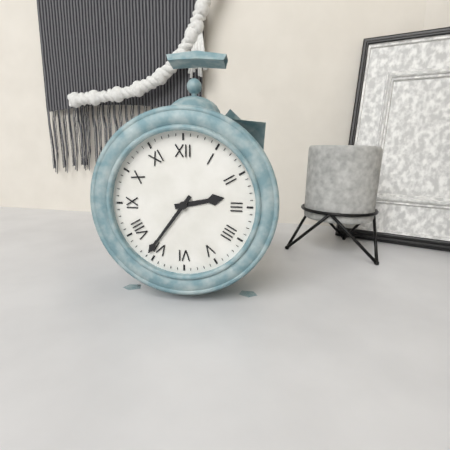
2:36
